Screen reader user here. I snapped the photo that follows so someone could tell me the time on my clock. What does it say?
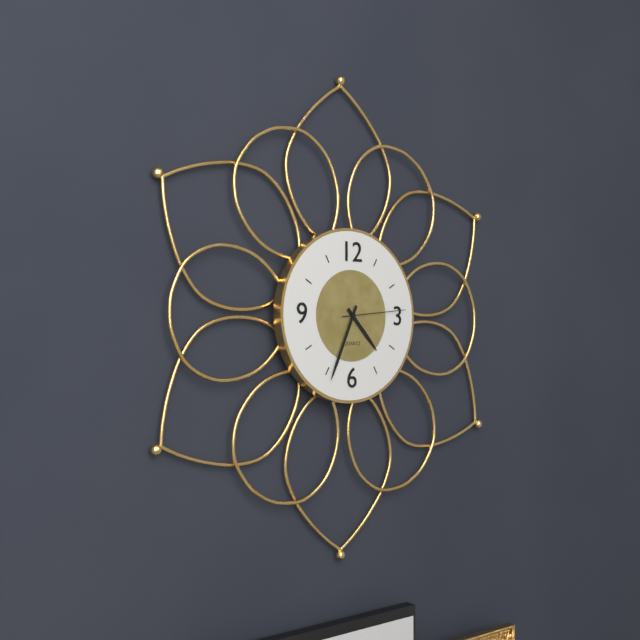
4:34:14
